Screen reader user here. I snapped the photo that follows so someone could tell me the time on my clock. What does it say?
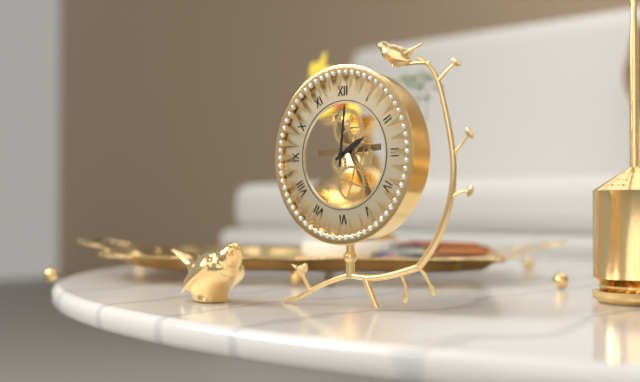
2:01
